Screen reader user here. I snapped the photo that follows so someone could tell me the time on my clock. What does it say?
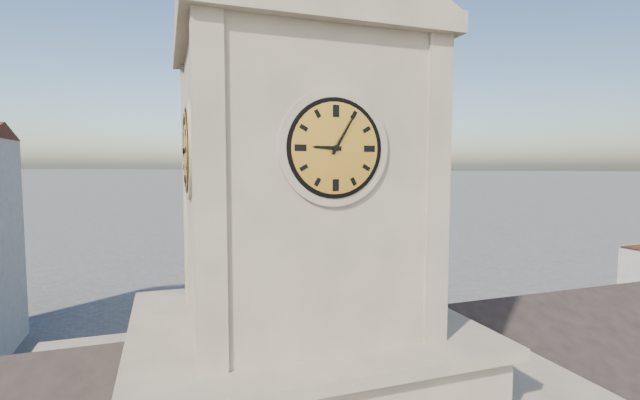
9:05
